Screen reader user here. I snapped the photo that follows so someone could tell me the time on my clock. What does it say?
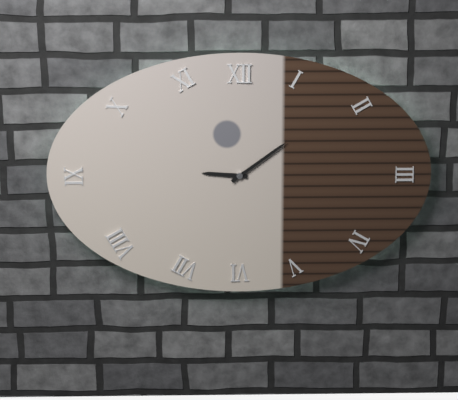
9:09
